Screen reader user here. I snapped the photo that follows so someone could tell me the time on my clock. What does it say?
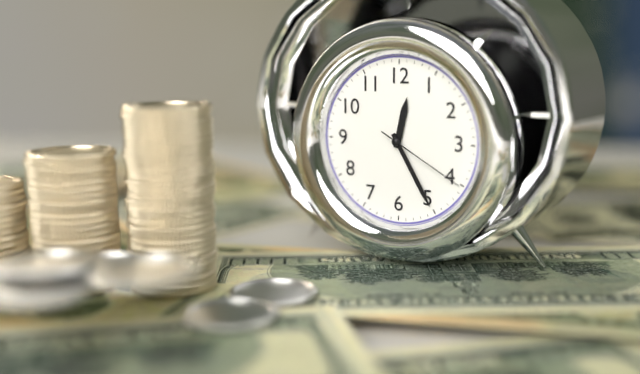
12:25:20
